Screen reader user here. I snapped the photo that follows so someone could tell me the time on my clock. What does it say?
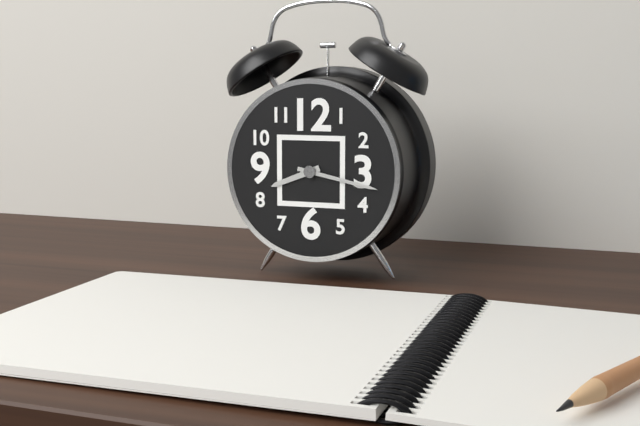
8:17
